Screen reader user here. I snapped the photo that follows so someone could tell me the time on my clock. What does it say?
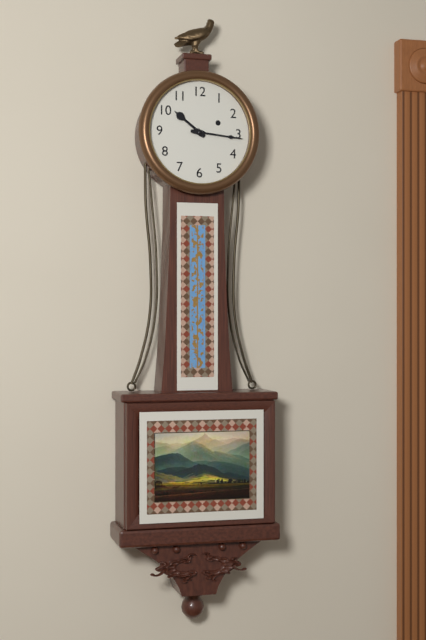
10:16
